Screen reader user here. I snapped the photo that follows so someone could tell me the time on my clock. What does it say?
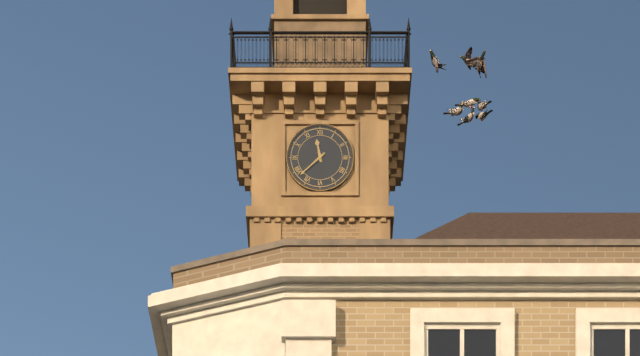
11:38
